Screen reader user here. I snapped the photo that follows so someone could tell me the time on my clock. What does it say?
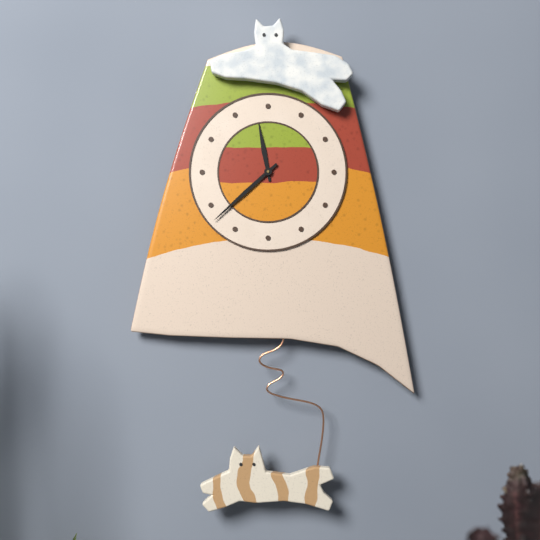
11:38
